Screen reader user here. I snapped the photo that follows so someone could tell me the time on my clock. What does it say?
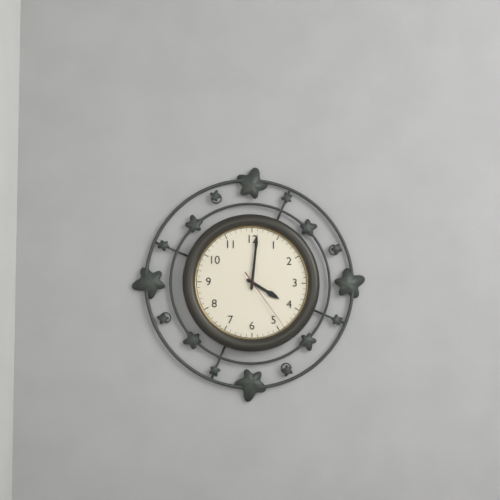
4:01:24
